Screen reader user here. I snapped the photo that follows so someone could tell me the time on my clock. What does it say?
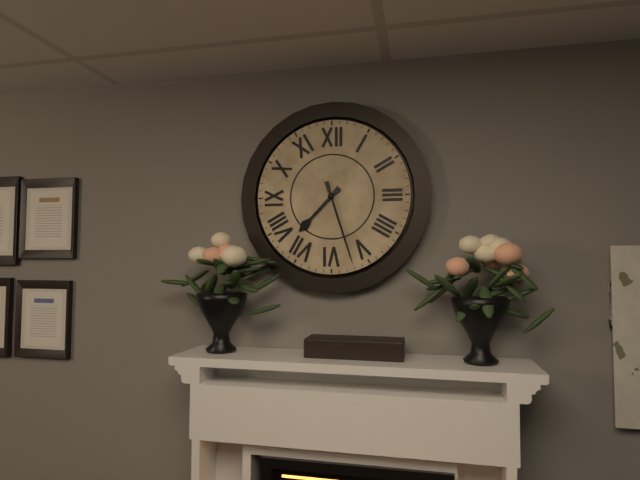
7:27
